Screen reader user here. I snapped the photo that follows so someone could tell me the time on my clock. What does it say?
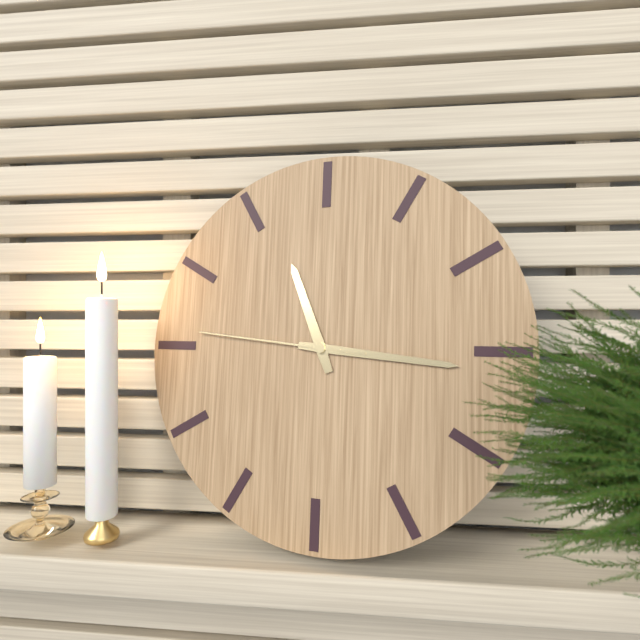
11:16:46
